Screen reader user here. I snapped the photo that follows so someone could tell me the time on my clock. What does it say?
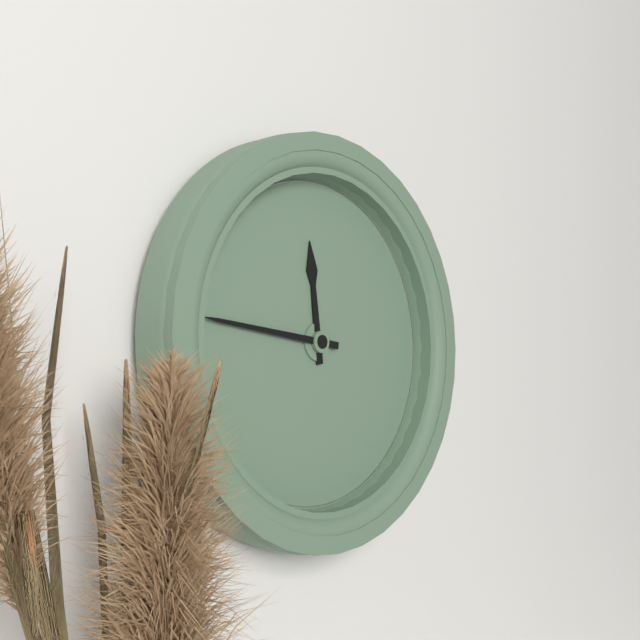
11:46
